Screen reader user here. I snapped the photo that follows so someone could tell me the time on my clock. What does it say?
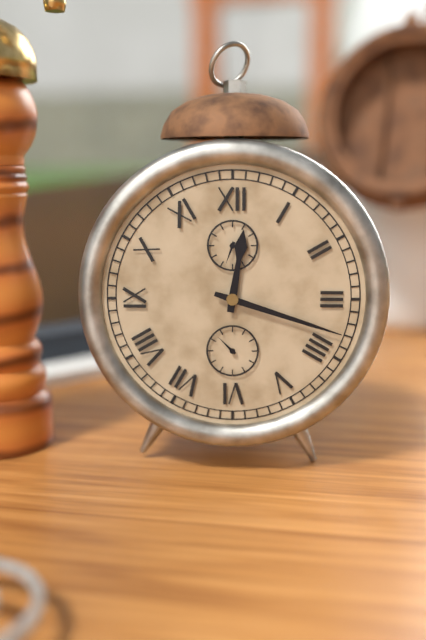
12:18
